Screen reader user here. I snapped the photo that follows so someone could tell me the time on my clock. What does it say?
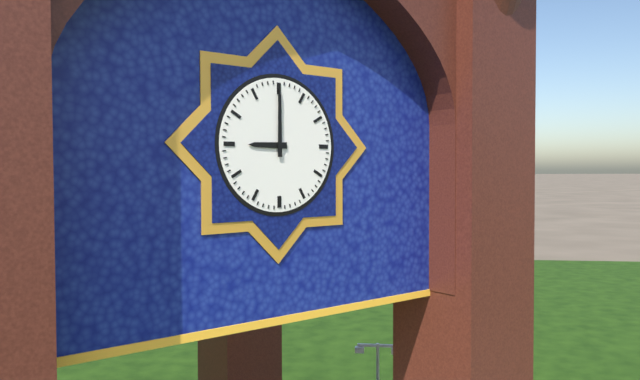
9:00
